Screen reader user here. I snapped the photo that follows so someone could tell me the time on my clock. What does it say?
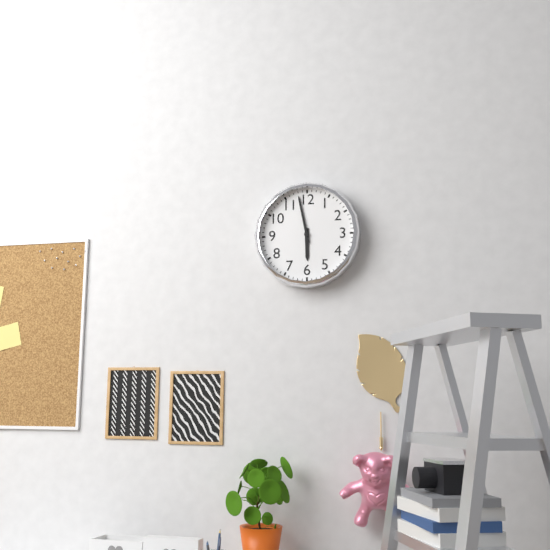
5:58
